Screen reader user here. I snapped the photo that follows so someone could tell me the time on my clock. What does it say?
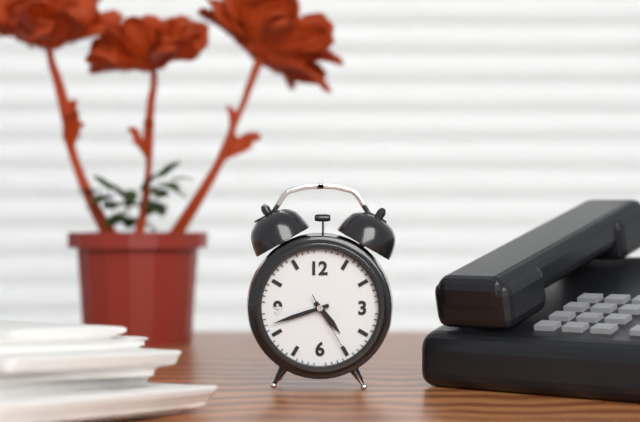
4:42:25
